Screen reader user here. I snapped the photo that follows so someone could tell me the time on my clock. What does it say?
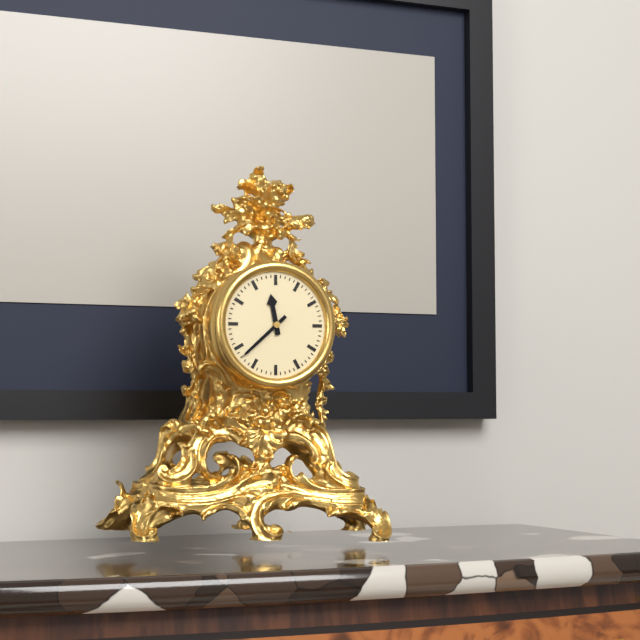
11:38
